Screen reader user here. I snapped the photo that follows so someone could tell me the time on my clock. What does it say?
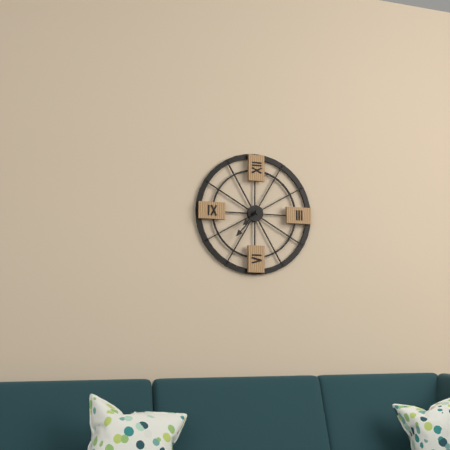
7:37
